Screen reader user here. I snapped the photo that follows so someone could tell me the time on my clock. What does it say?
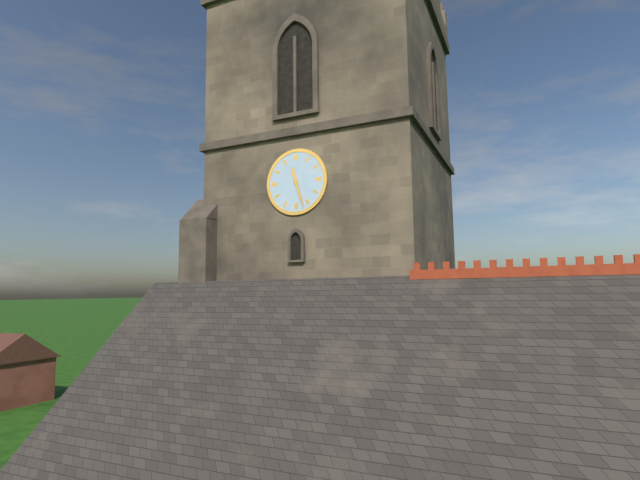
11:27
